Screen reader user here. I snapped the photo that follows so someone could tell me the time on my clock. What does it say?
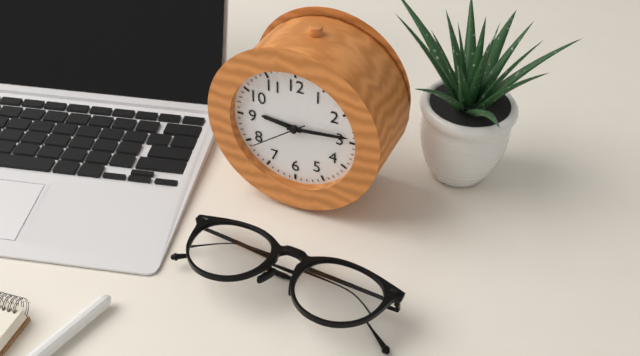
9:14:39
